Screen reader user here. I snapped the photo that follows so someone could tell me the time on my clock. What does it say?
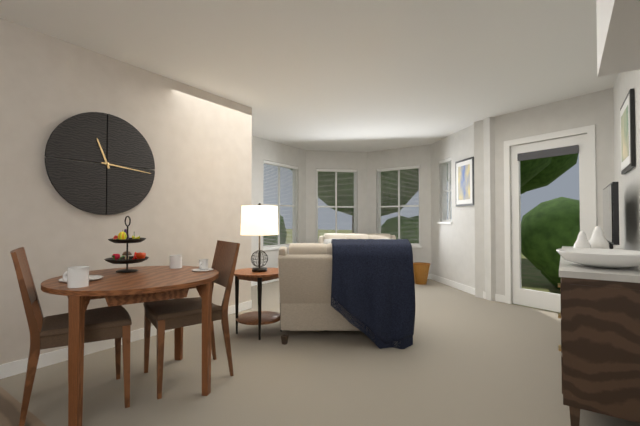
11:16
